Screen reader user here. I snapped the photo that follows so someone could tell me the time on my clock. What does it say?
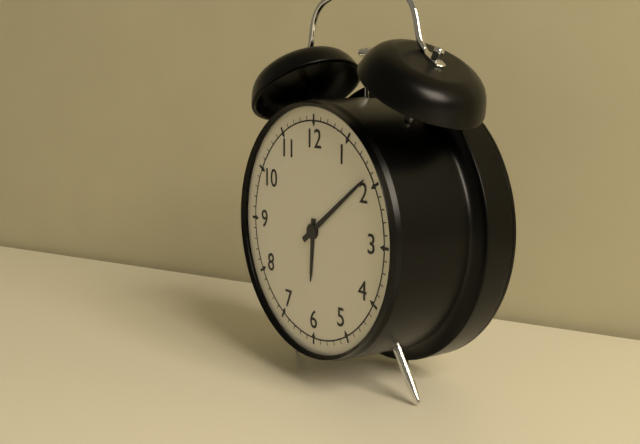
6:09
